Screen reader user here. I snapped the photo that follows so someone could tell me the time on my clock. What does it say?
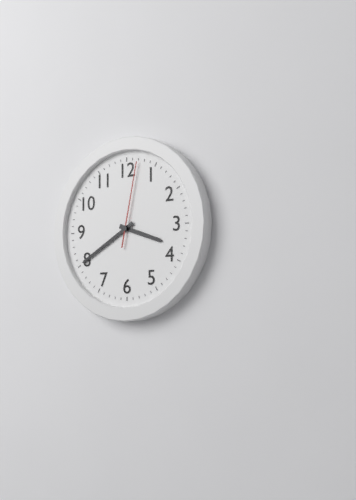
3:40:02
